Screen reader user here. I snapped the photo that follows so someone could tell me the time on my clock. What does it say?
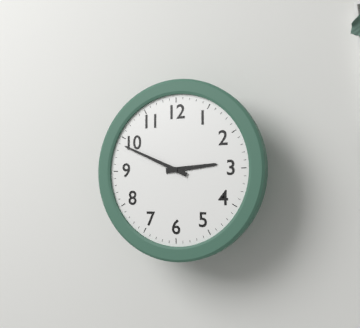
2:49
